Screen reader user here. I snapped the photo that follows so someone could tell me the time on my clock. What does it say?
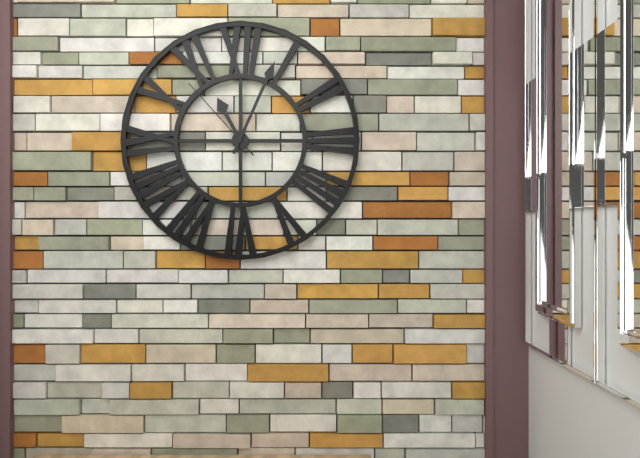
11:04:53
